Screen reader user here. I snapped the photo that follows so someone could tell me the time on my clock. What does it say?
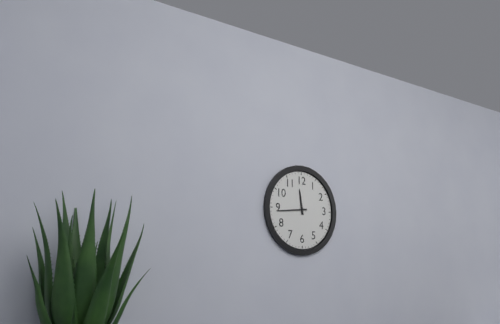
11:44
